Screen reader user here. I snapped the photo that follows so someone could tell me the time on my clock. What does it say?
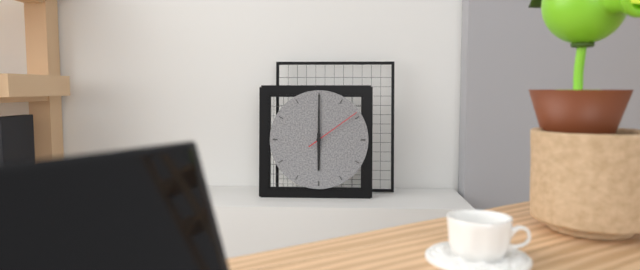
6:00:09
